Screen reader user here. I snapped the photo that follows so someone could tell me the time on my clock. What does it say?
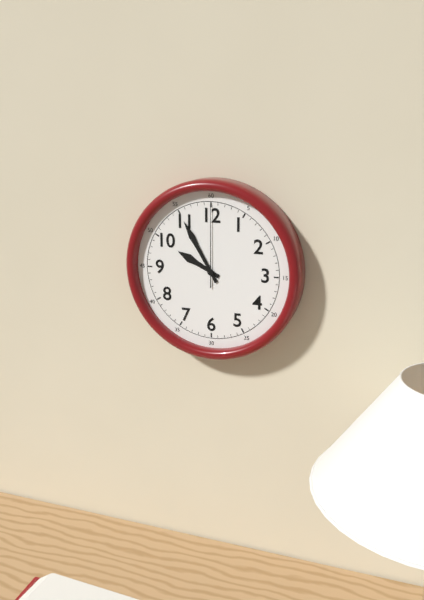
9:55:00
